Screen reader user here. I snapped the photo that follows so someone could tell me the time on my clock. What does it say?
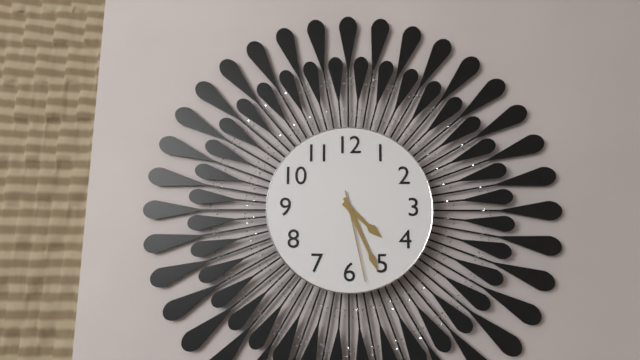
4:26:28
